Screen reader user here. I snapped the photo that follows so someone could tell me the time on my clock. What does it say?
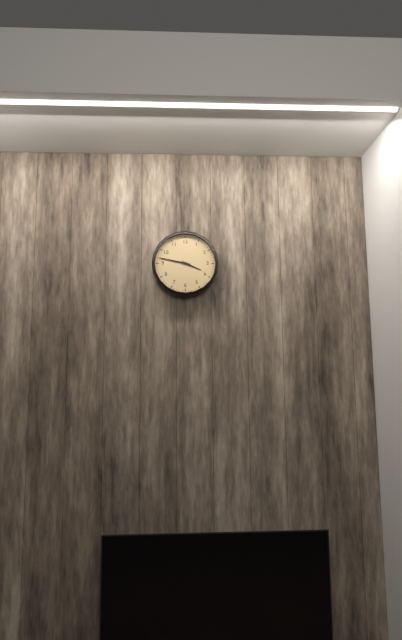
3:47
